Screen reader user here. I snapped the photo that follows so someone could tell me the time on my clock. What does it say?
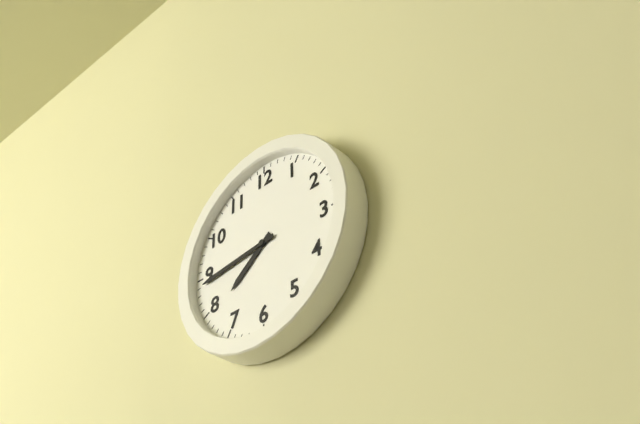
7:44
